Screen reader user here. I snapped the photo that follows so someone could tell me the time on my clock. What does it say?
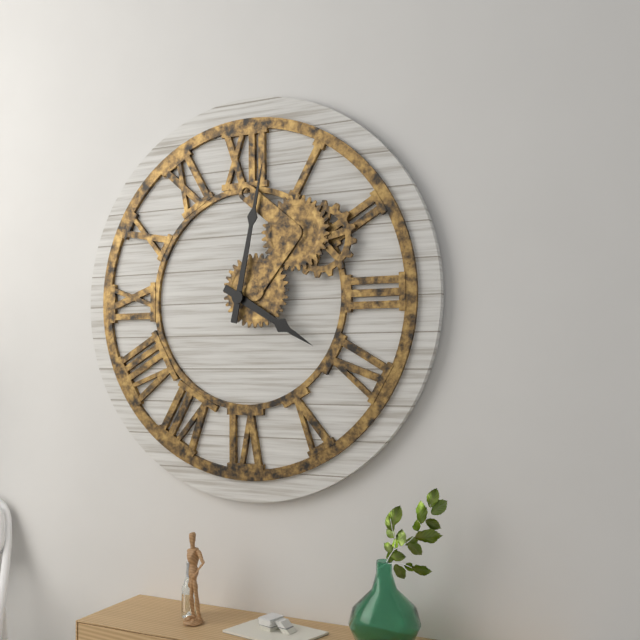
4:02
